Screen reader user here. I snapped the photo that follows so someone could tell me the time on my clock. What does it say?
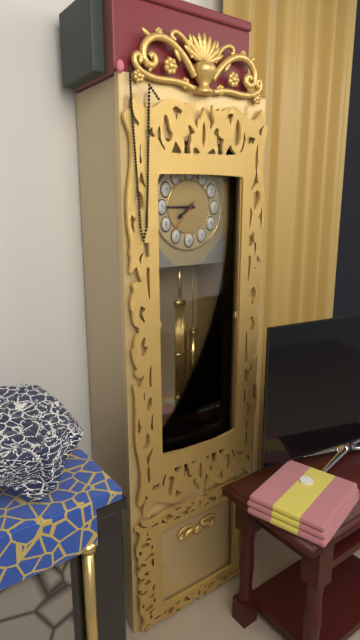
7:45
